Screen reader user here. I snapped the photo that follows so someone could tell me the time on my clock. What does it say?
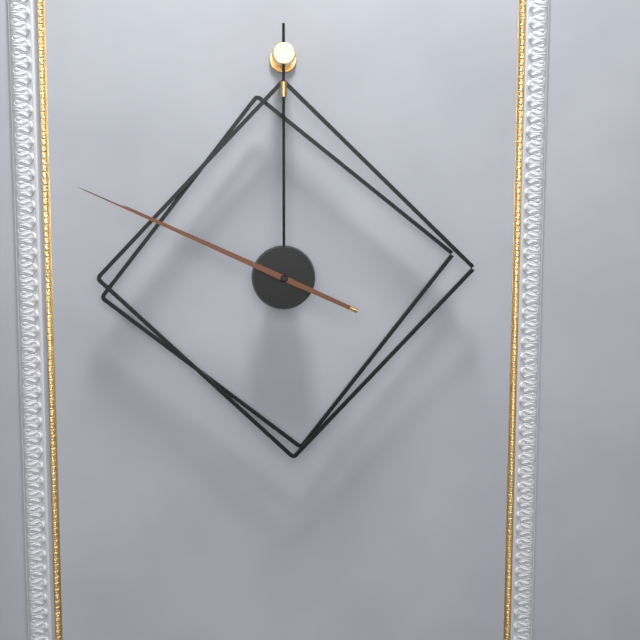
9:49
